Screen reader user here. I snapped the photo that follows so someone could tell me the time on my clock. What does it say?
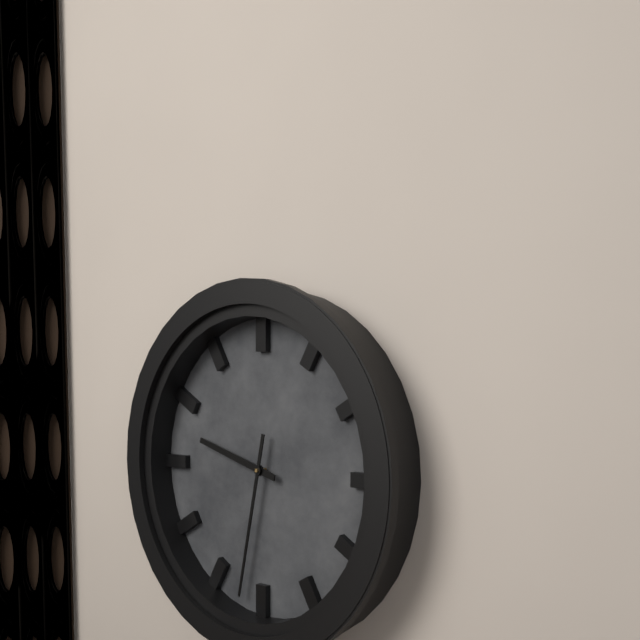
9:32
